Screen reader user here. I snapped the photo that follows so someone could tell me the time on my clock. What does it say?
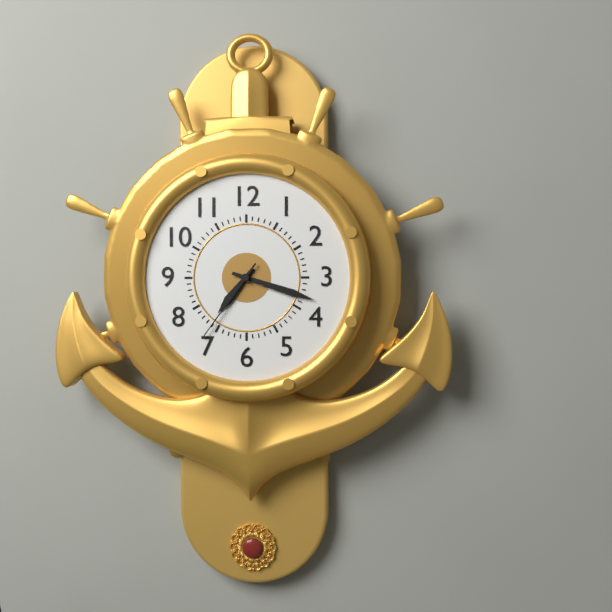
7:18:36
